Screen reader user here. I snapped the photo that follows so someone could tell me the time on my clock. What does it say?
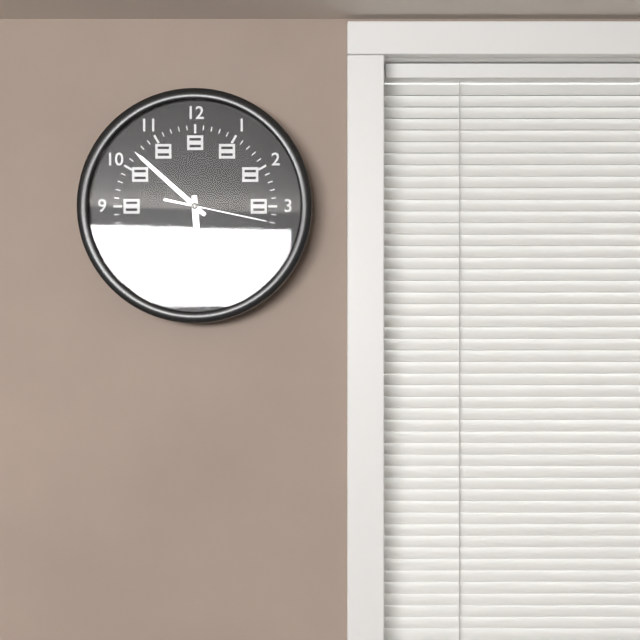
5:52:17
